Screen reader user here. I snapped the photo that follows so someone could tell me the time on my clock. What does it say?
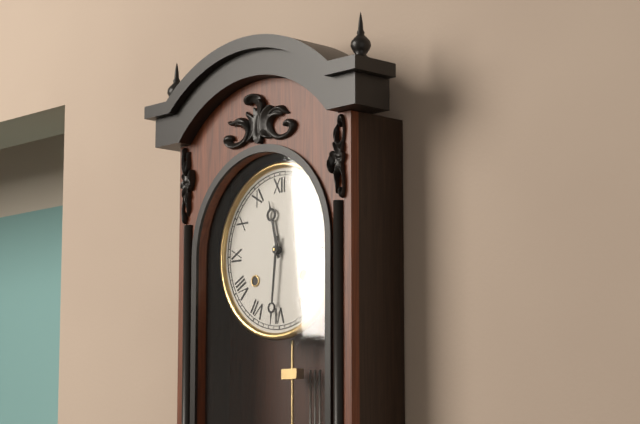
11:31
